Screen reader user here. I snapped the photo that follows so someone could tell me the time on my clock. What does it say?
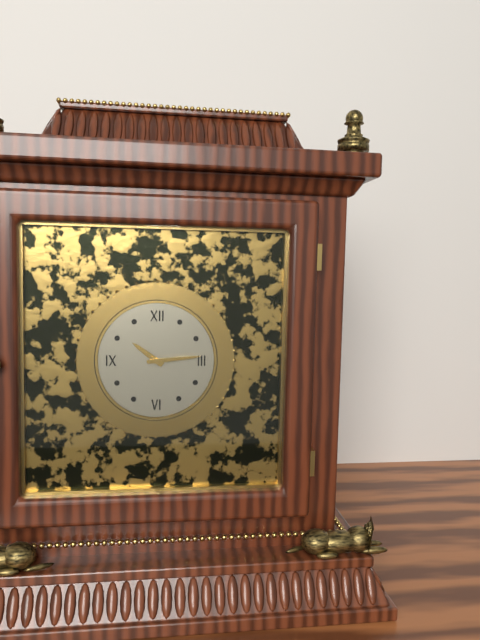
10:14
